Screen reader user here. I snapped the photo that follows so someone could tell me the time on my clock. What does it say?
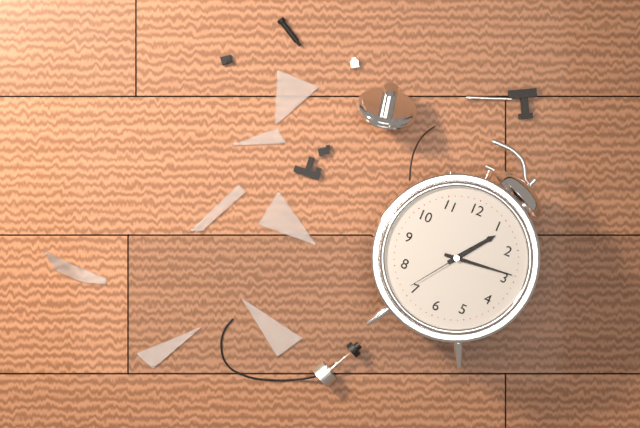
1:14:36
